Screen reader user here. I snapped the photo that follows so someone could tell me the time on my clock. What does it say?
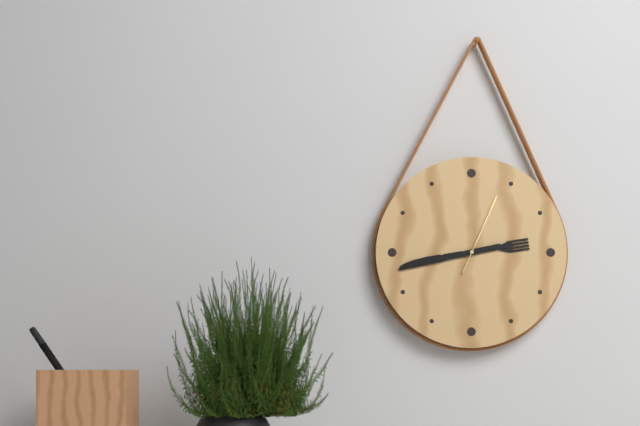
2:43:04
